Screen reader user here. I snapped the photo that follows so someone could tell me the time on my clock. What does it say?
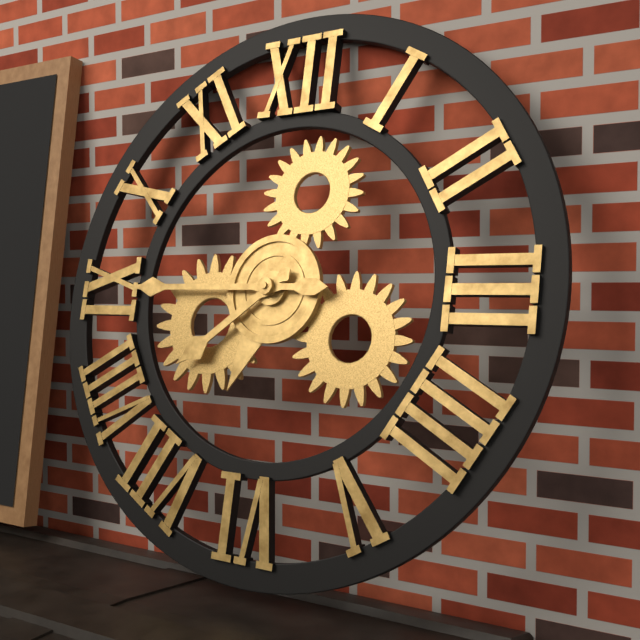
7:45
